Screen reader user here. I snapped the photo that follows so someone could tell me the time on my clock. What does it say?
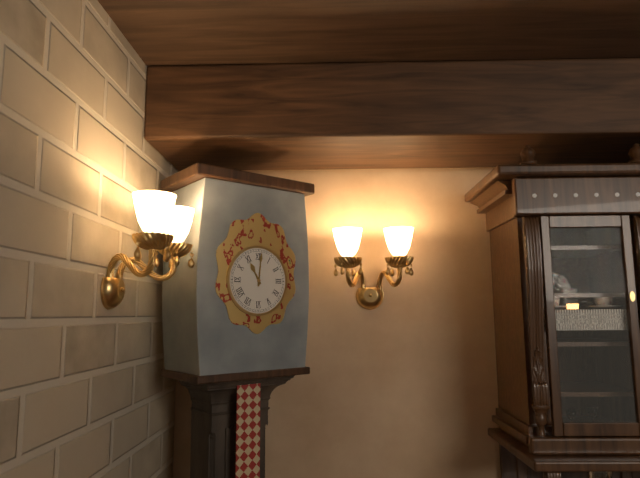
11:01
